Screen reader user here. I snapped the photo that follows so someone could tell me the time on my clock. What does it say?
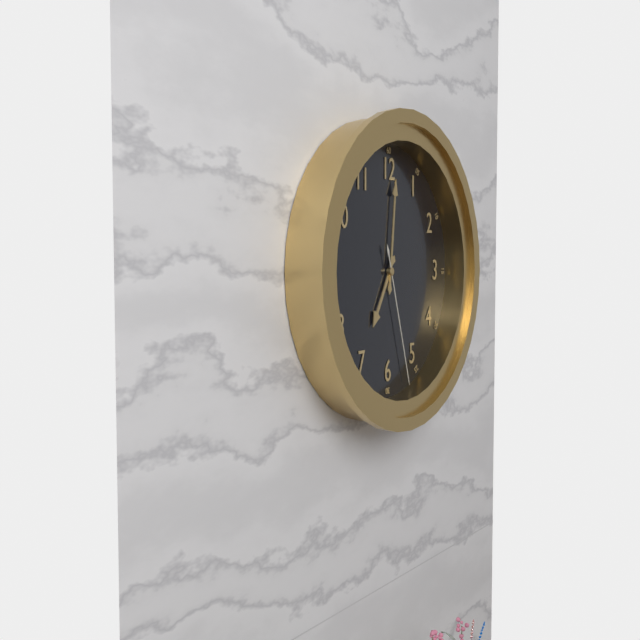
7:01:27
